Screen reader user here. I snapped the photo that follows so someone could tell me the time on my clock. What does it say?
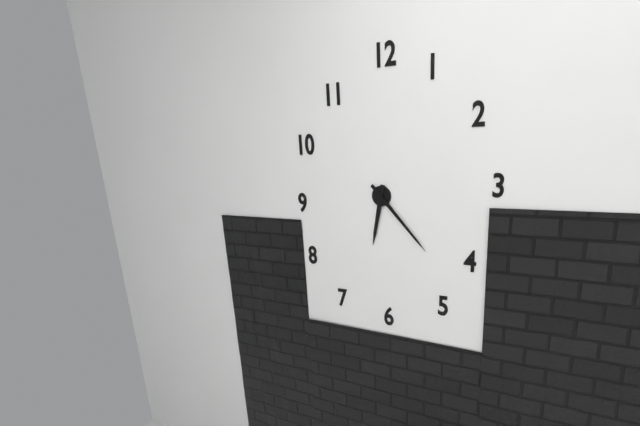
6:23
